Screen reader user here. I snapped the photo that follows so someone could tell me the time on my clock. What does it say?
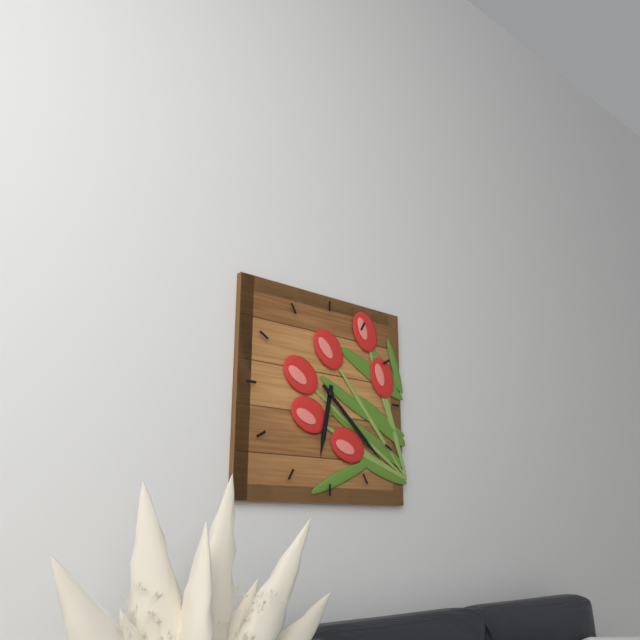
6:22
